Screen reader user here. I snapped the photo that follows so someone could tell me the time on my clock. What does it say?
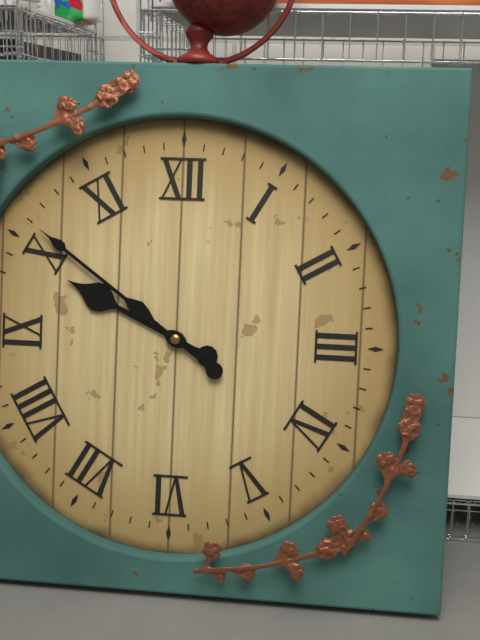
9:51
